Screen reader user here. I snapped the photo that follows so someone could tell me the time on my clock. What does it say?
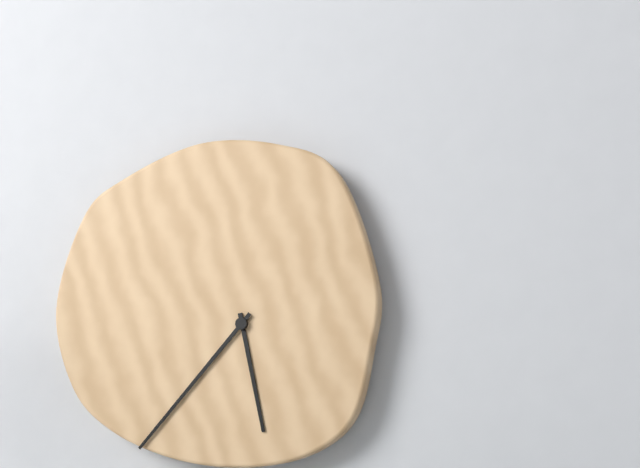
5:37
